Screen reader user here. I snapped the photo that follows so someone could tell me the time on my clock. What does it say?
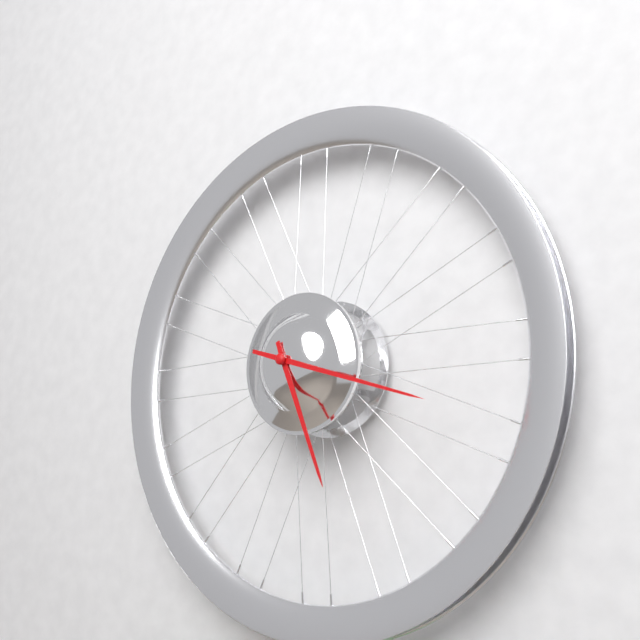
5:18
